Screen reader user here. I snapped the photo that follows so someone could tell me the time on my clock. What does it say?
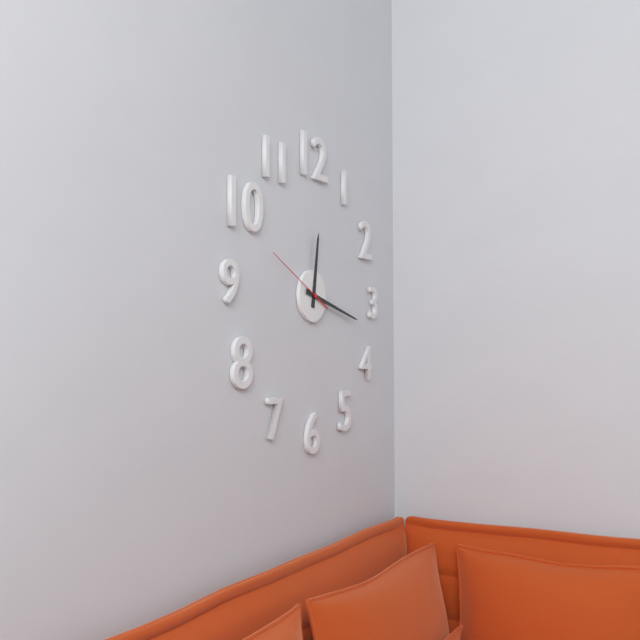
12:17:49
